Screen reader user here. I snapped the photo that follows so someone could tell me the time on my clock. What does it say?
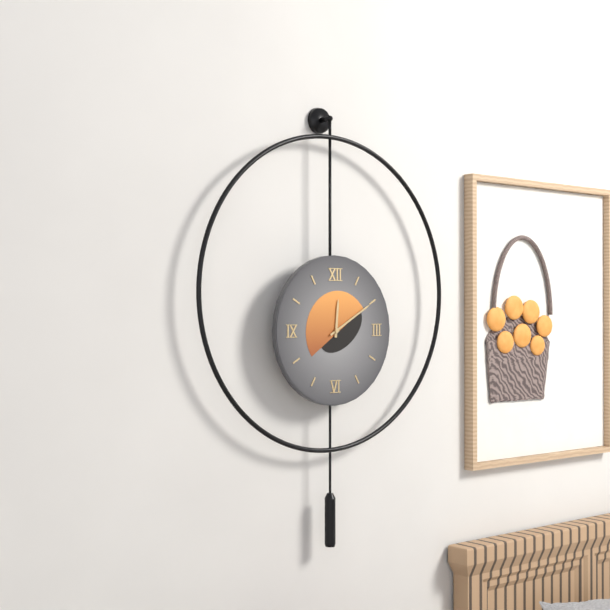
12:10
